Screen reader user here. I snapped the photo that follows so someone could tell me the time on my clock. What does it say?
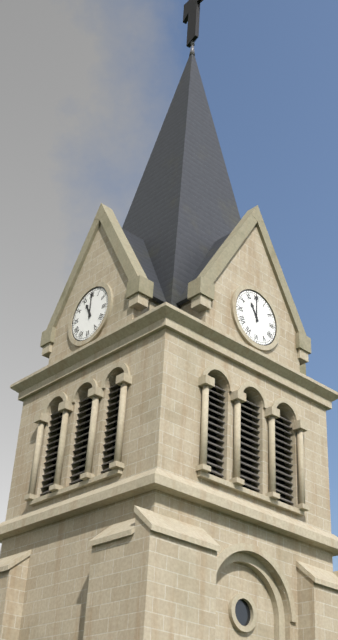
11:00
